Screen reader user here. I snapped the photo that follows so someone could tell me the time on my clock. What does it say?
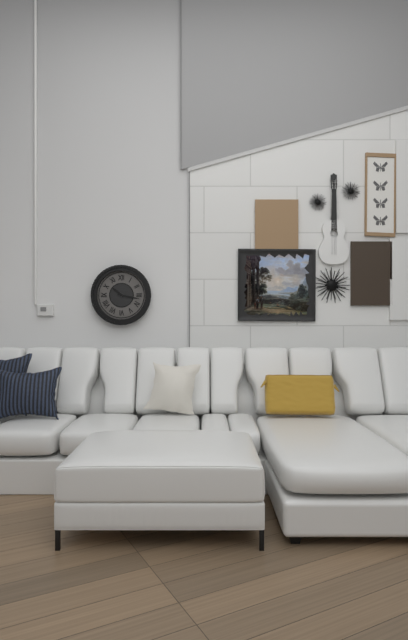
10:17
